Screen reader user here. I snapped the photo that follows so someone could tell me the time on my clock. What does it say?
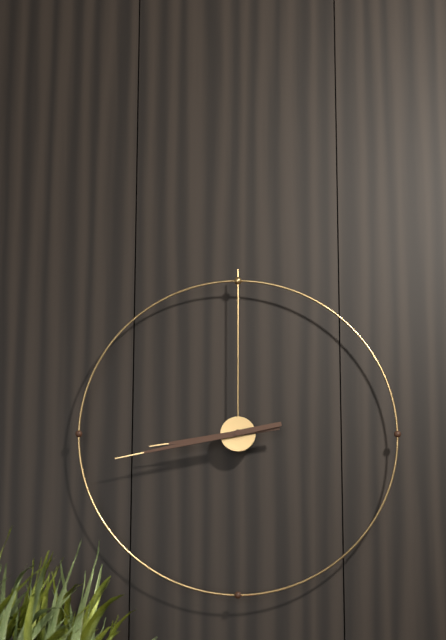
8:43
